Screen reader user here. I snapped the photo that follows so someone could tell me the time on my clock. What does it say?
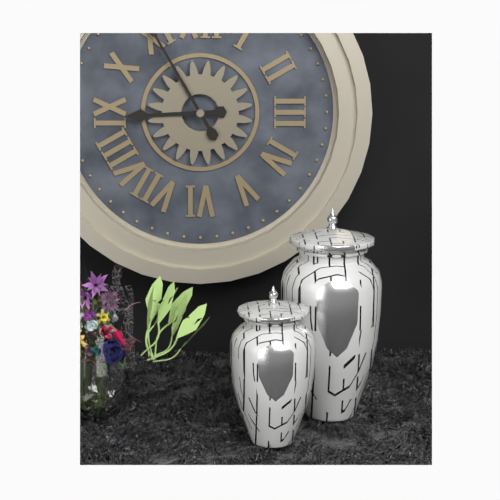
8:55
